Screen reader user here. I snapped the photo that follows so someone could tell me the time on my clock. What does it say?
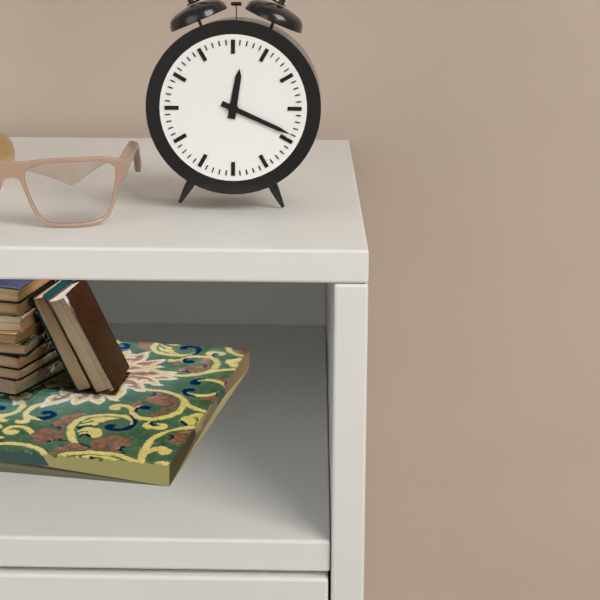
12:19
